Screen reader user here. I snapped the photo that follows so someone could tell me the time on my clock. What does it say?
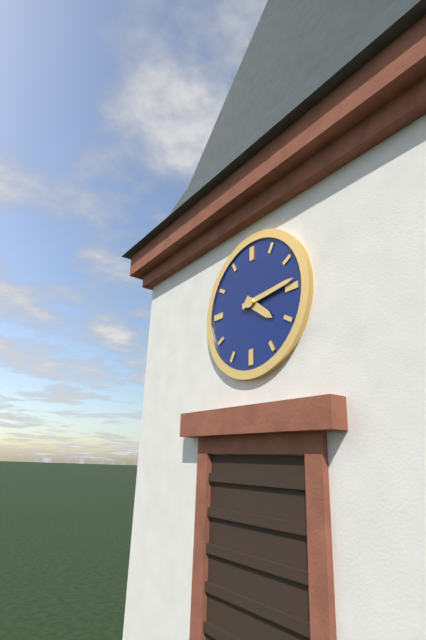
4:14
